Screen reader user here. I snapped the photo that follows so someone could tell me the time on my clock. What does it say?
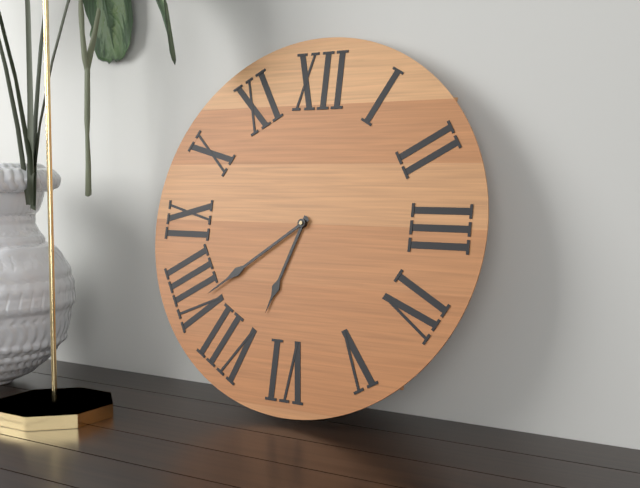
6:39
